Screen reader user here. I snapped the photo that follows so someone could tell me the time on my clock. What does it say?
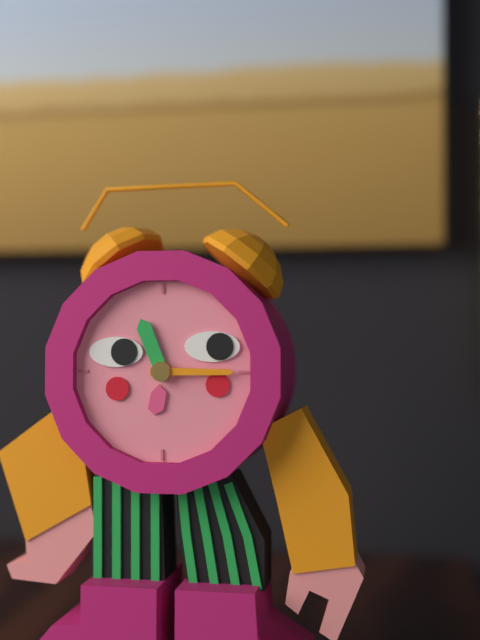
11:15
